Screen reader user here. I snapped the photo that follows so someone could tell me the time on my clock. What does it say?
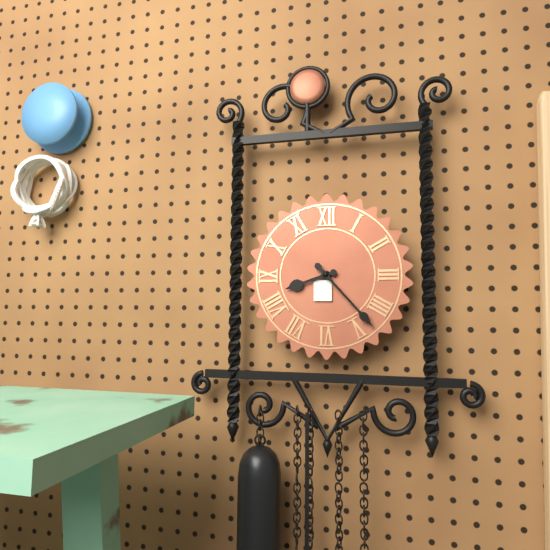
8:23
